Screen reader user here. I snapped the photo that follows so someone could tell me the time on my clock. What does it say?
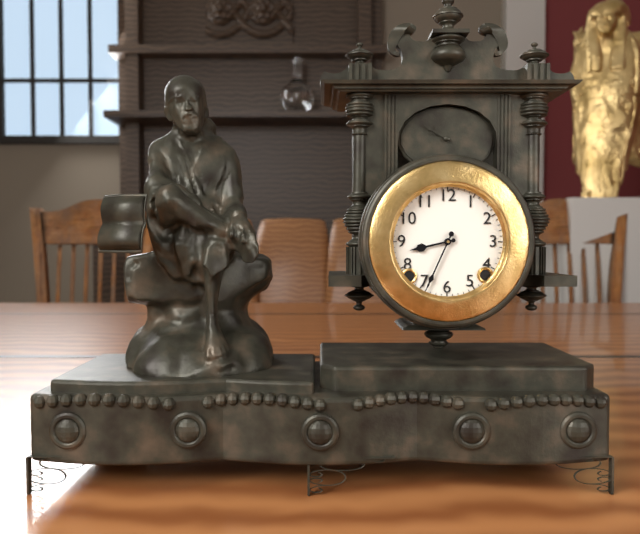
8:34
